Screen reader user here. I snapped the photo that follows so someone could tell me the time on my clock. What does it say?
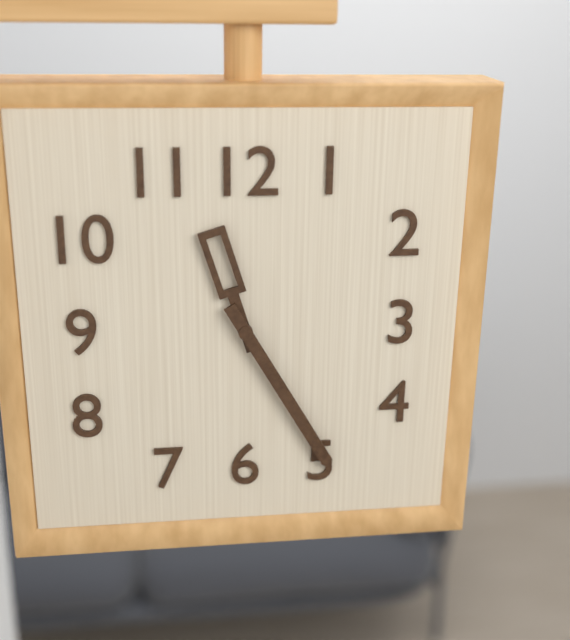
11:25
